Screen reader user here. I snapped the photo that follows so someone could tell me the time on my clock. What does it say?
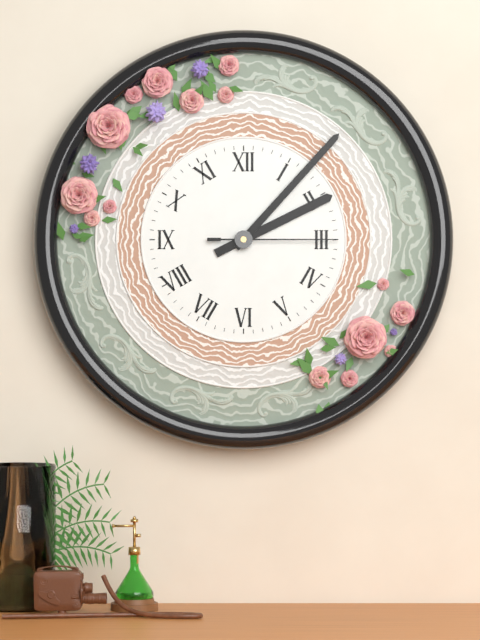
2:07:15
